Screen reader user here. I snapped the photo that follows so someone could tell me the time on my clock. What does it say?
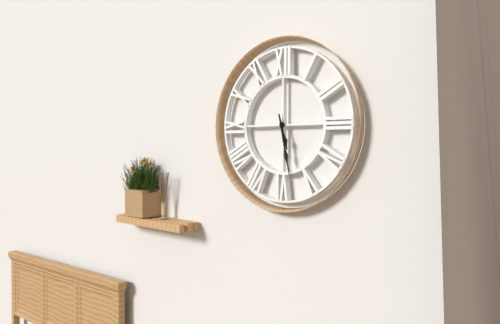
5:28
